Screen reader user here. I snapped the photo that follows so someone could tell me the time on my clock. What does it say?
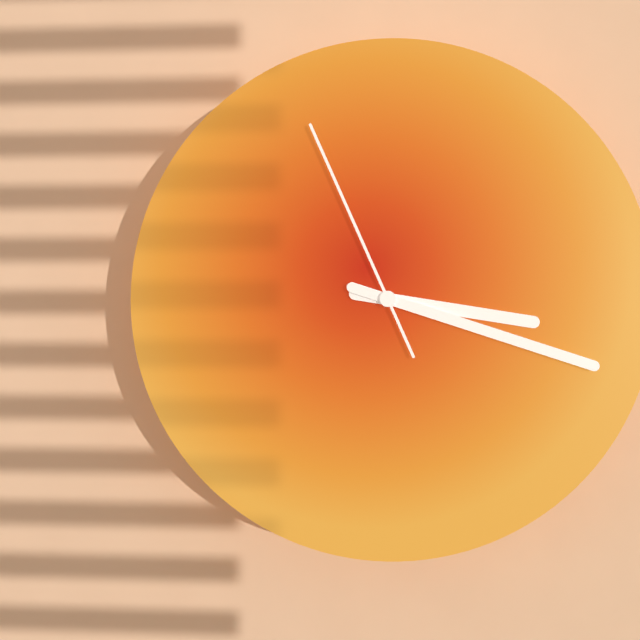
3:18:56
